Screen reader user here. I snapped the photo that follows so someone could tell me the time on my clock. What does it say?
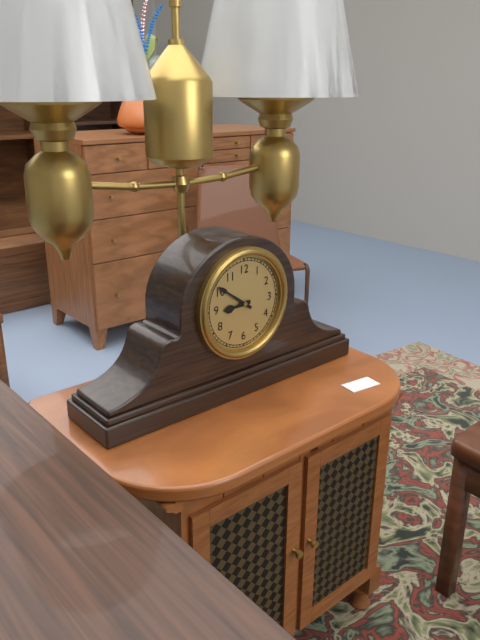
8:51
